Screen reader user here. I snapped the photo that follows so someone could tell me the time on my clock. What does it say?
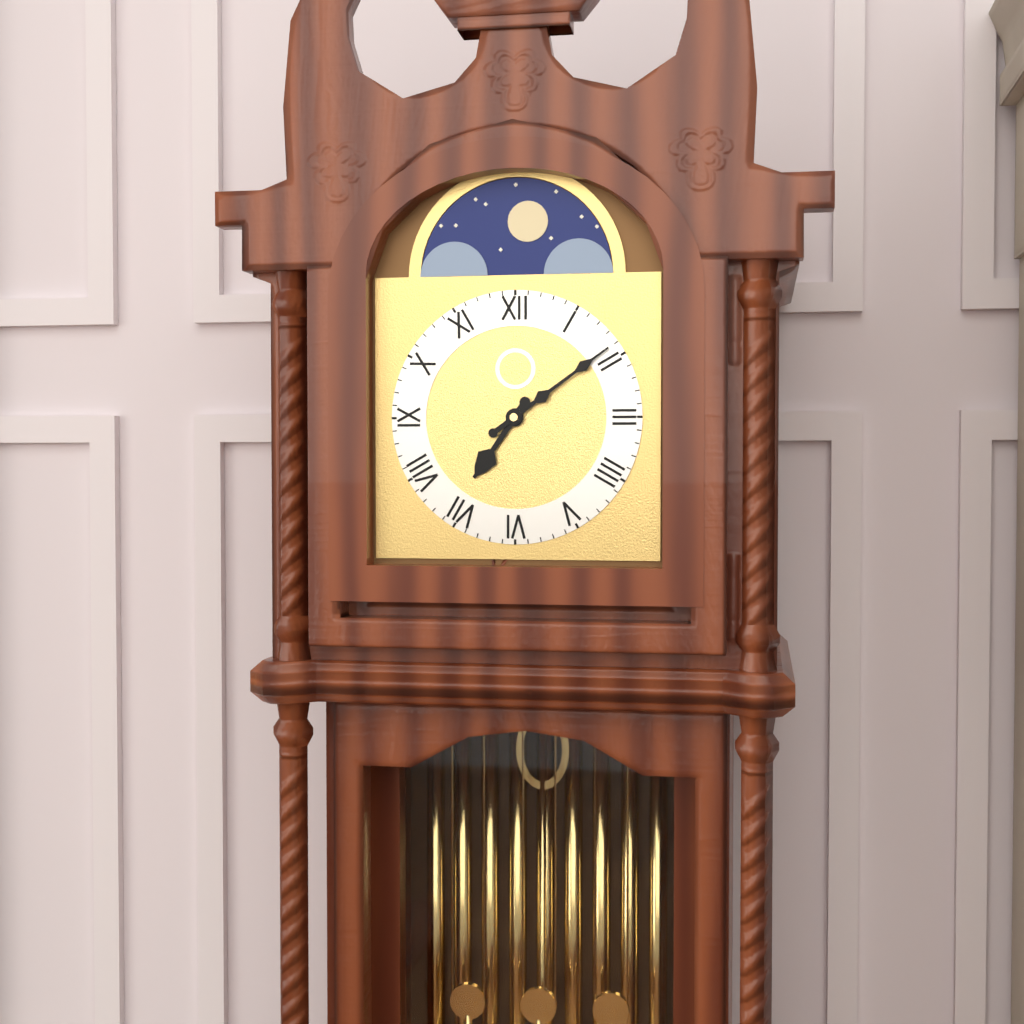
7:09
